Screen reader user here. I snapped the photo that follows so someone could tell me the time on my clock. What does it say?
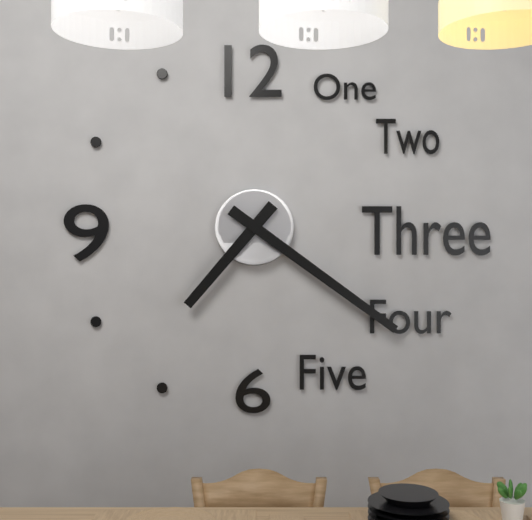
7:21
